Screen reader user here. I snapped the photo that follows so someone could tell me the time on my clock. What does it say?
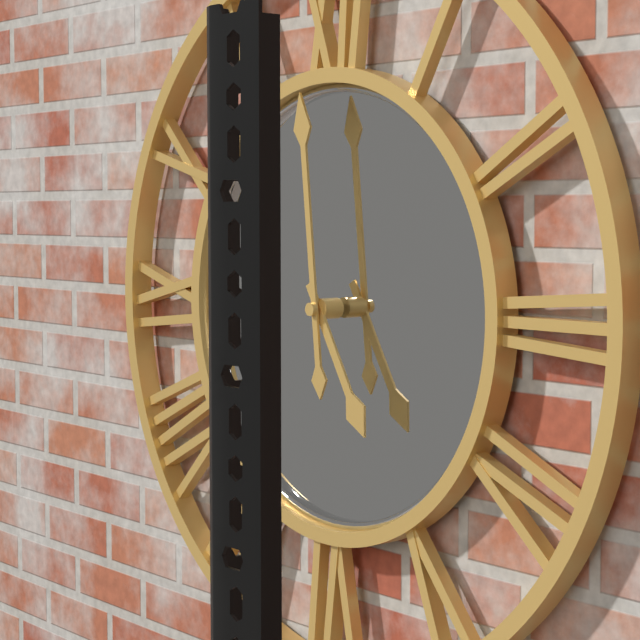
4:59
